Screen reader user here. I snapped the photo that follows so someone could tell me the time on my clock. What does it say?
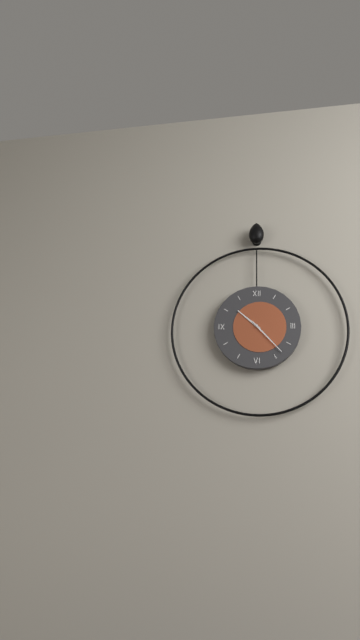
10:23
